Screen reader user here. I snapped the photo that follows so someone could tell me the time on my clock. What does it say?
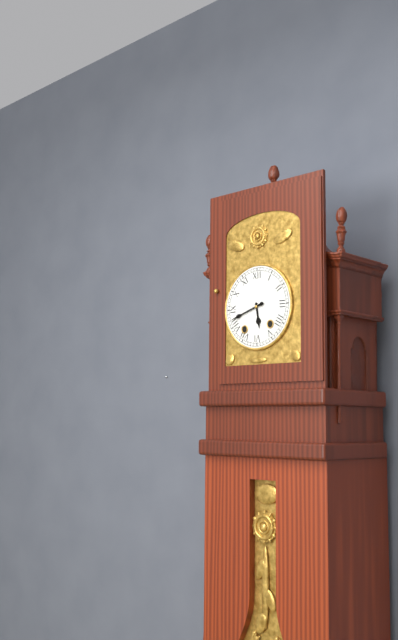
5:42
